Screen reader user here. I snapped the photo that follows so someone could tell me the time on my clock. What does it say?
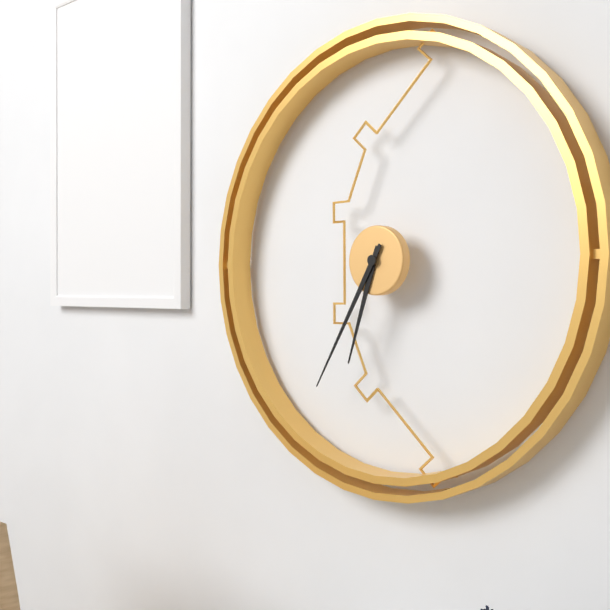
6:35
